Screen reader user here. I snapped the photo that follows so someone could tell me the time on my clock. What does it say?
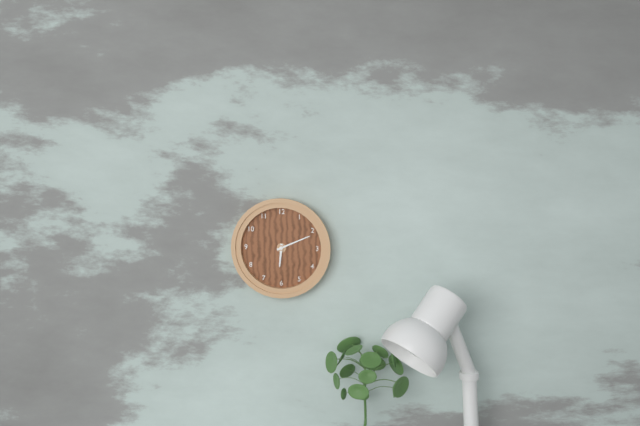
6:11
